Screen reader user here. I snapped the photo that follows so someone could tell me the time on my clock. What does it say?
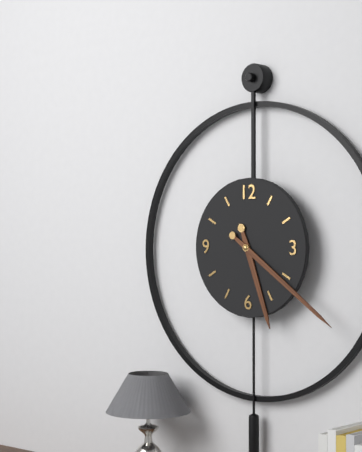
5:21
